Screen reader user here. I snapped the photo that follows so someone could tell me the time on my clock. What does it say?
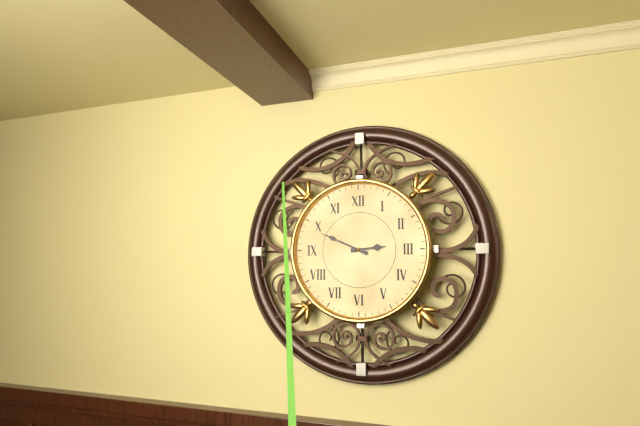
2:49
